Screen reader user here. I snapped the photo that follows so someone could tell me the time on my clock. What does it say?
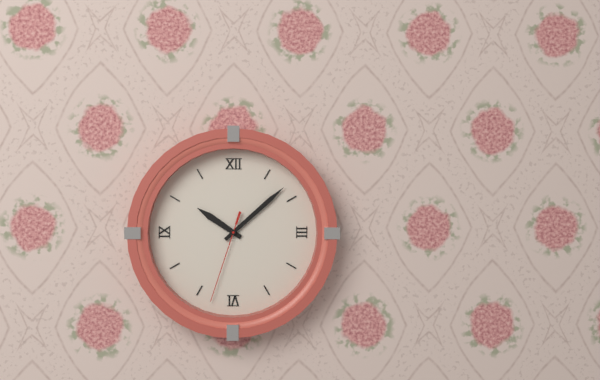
10:08:33
